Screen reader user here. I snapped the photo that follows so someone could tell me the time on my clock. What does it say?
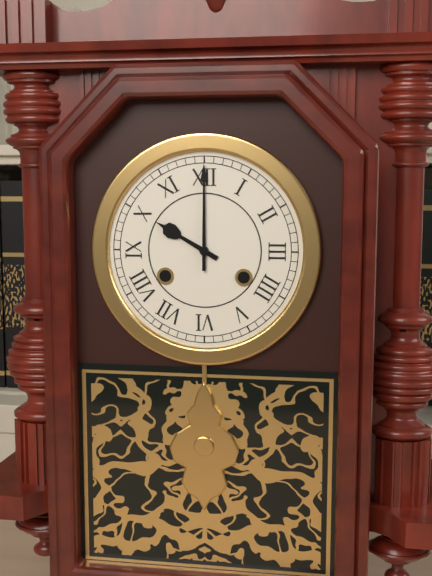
10:00
